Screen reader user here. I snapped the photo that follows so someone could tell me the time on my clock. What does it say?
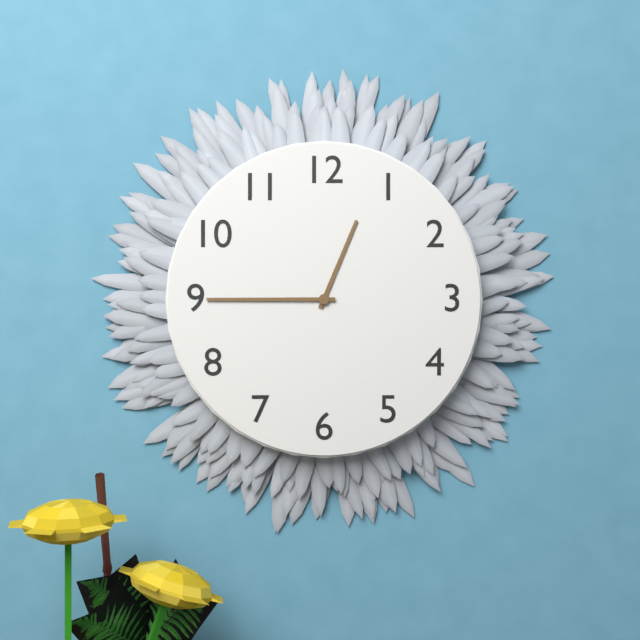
12:45
